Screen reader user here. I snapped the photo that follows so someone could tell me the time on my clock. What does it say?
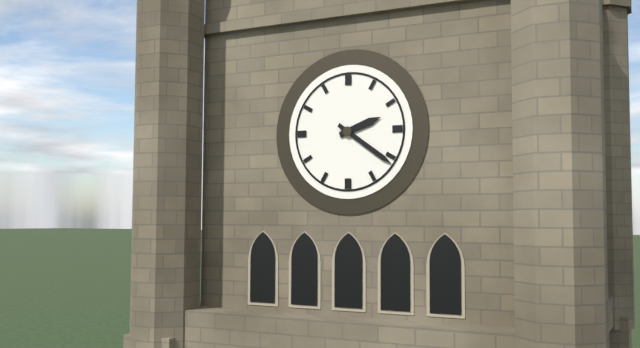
2:21
